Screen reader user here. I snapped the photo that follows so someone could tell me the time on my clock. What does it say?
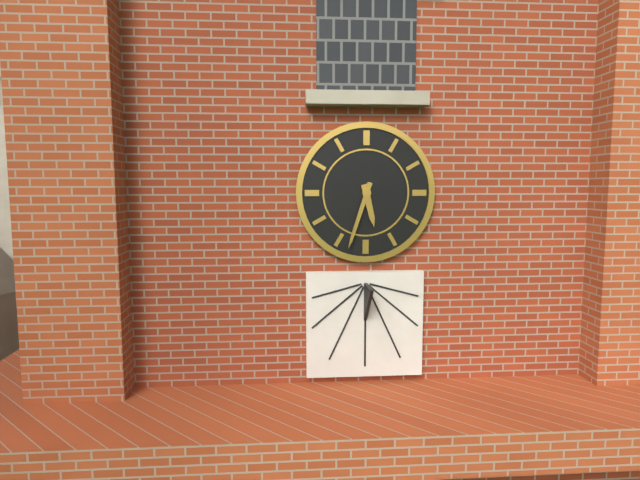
5:33
